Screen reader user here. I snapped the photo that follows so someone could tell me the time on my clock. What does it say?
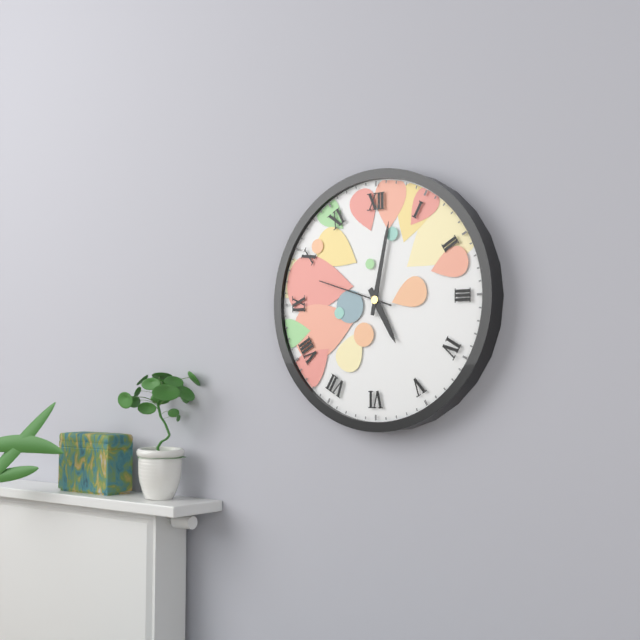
5:02:48
